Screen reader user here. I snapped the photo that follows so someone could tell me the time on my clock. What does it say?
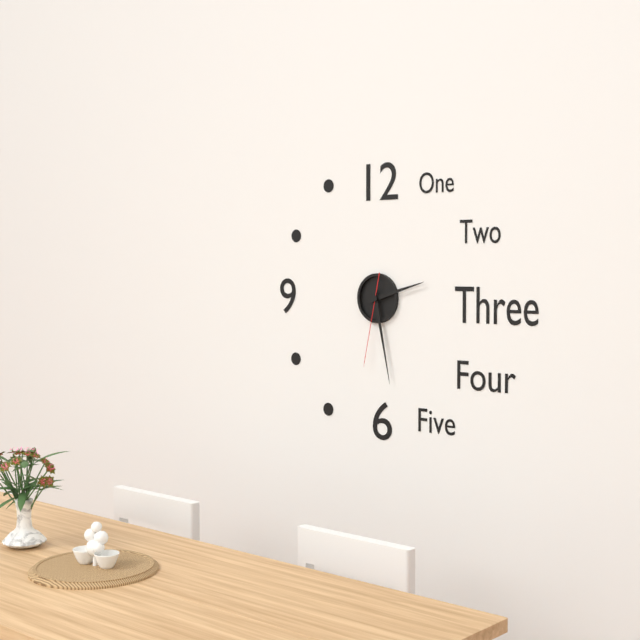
2:28:32
